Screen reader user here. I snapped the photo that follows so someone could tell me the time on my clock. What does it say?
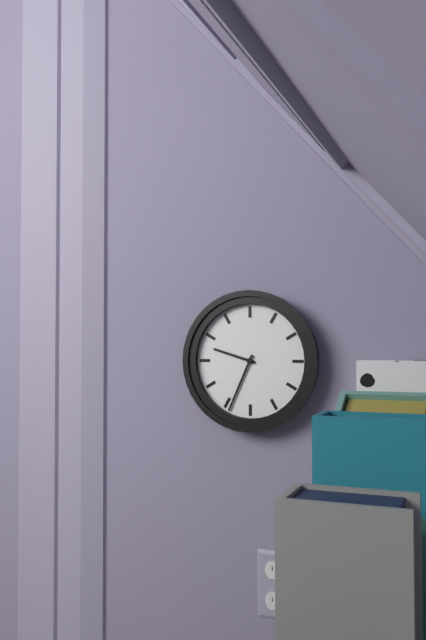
9:34
